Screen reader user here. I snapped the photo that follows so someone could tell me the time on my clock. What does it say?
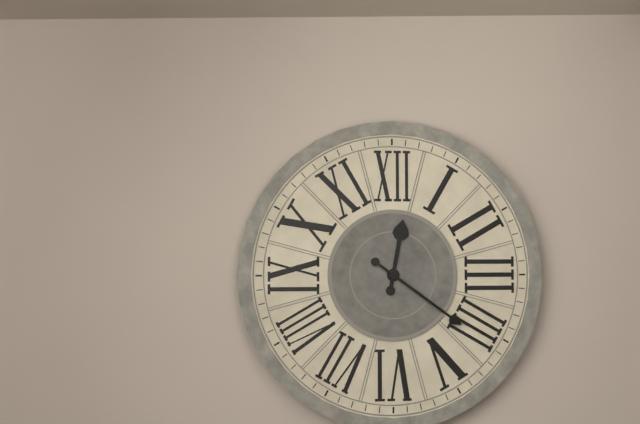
12:21
